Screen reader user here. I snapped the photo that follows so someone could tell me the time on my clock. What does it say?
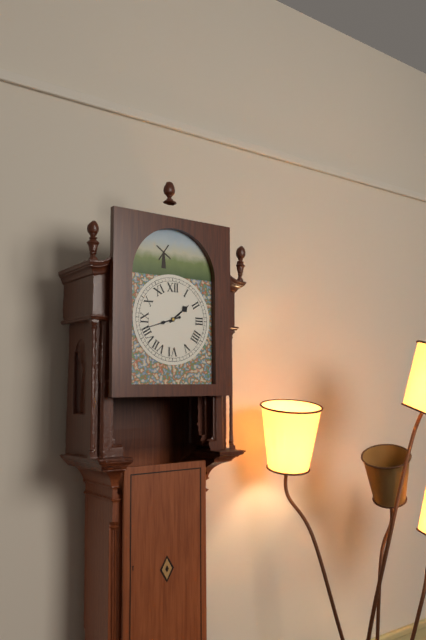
1:42
